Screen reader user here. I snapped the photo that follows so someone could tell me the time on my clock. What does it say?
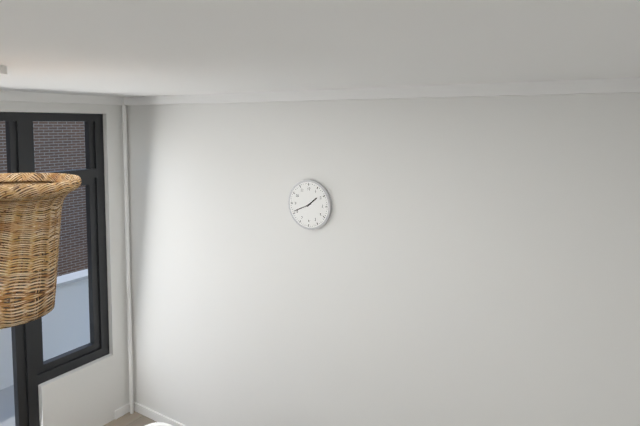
1:41
